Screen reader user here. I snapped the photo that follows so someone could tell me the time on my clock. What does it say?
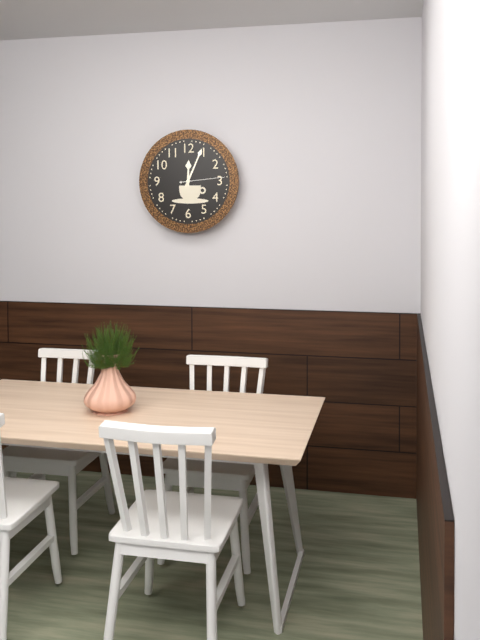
12:04
